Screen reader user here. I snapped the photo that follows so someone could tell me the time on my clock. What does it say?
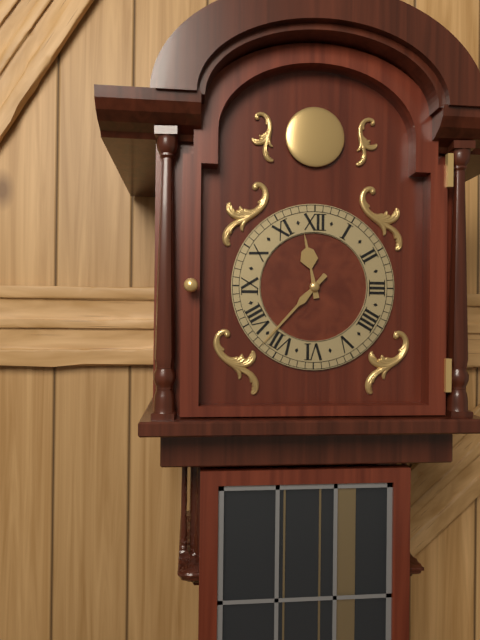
11:37
